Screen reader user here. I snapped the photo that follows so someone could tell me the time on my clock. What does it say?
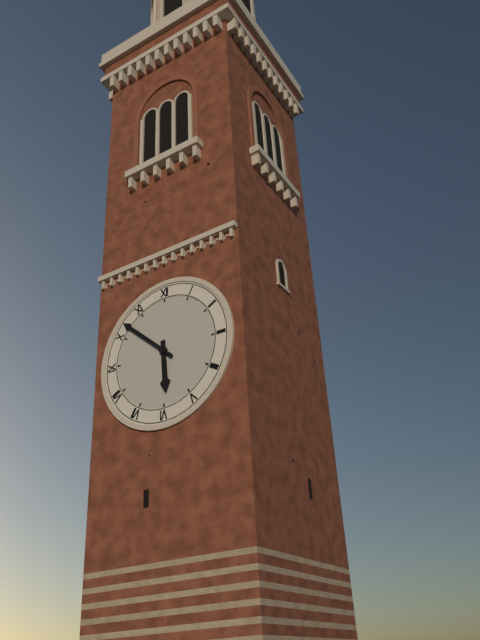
5:52
